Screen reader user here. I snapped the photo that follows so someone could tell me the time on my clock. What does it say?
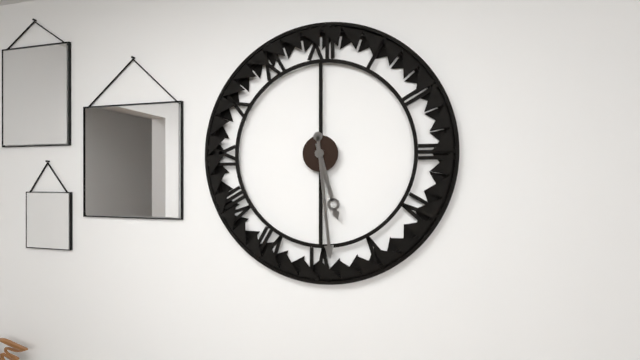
5:29
